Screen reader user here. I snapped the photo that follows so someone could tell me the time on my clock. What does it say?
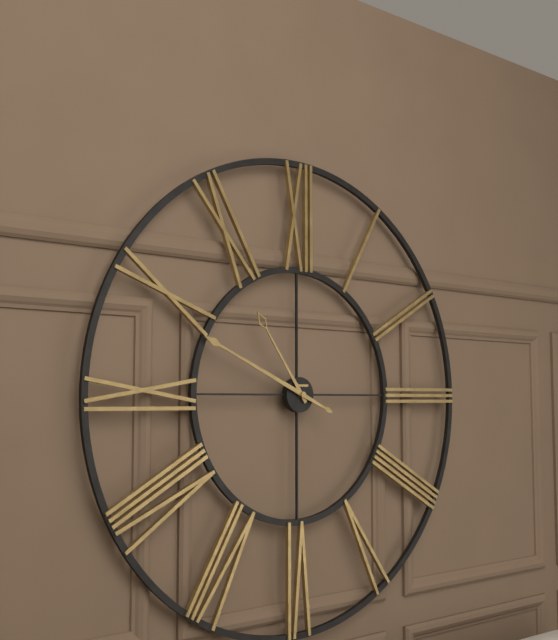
10:49
